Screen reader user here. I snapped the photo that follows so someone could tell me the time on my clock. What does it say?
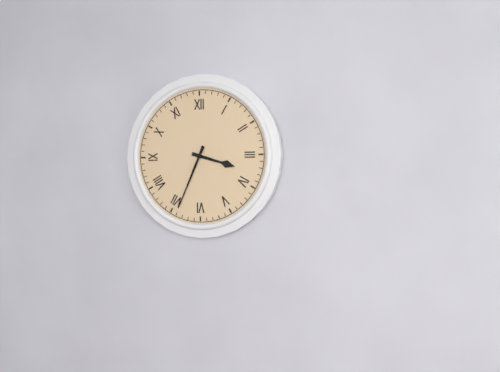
3:34
